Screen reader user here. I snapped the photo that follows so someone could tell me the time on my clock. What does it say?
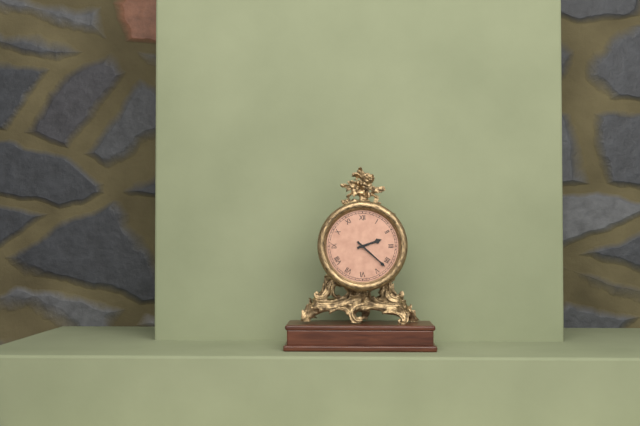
2:22
